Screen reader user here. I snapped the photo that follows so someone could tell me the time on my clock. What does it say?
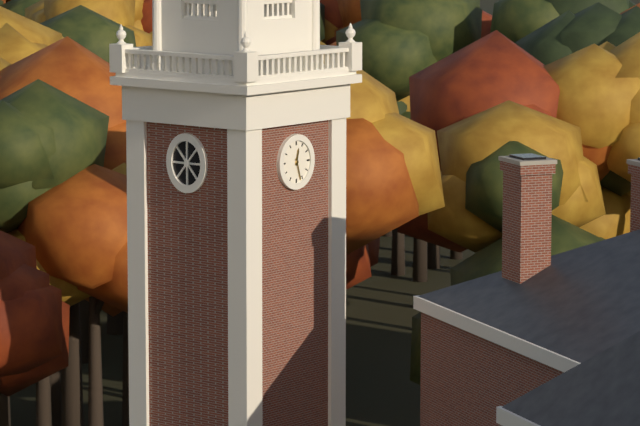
12:27
